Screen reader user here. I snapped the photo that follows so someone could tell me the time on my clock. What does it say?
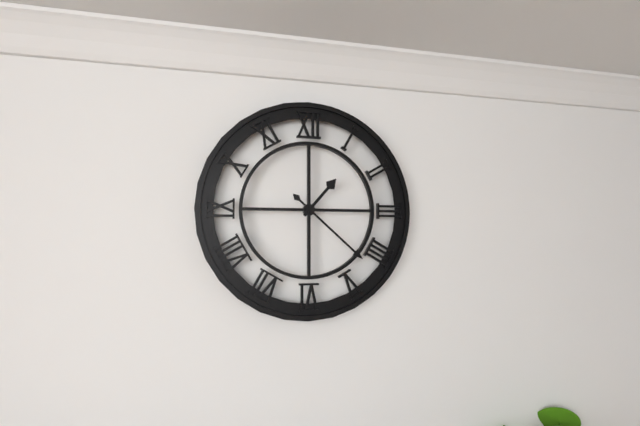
1:22
